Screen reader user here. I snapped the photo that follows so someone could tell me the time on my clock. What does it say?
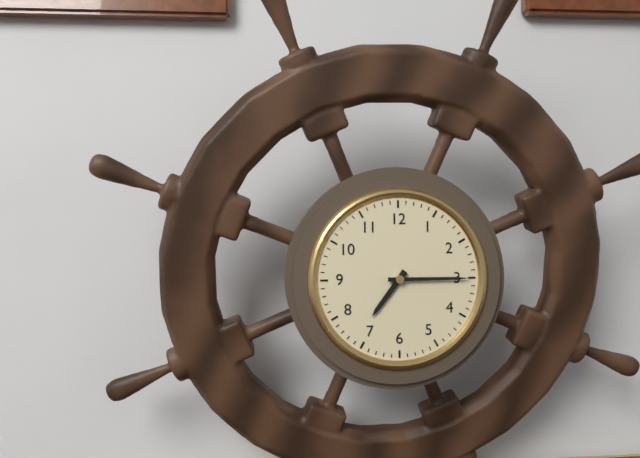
7:15
